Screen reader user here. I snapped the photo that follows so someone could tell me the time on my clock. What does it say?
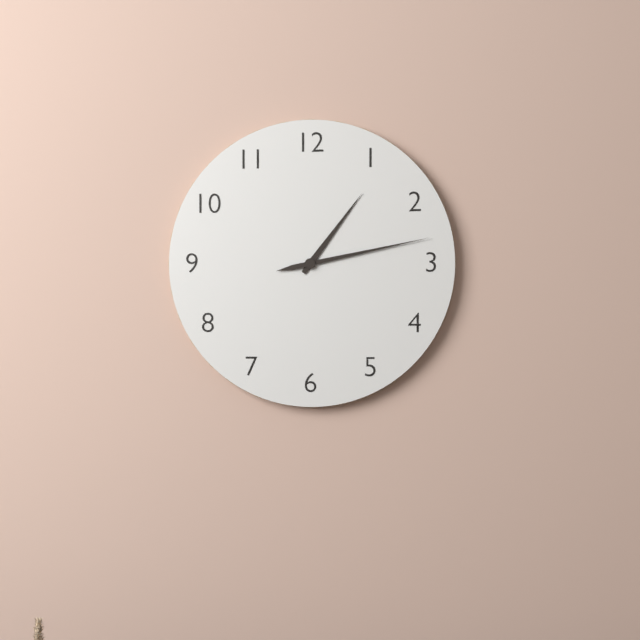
1:13
